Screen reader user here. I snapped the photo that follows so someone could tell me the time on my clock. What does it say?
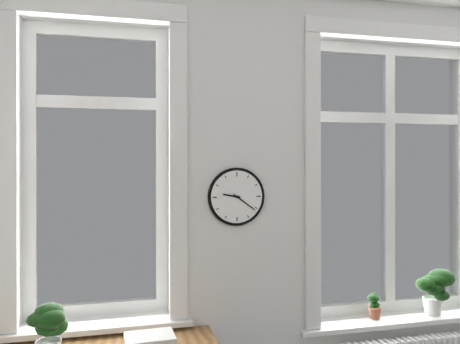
9:21
